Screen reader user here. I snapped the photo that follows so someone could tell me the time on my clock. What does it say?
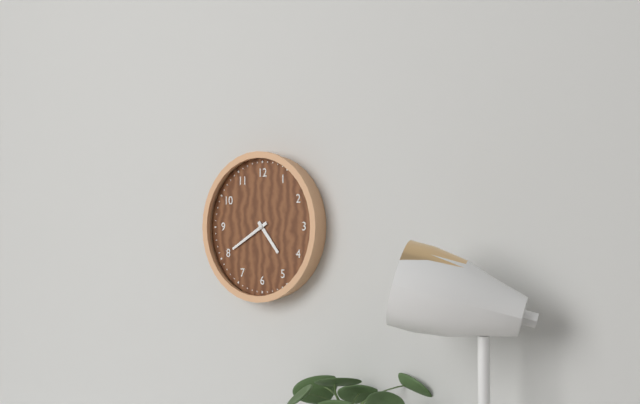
4:40
